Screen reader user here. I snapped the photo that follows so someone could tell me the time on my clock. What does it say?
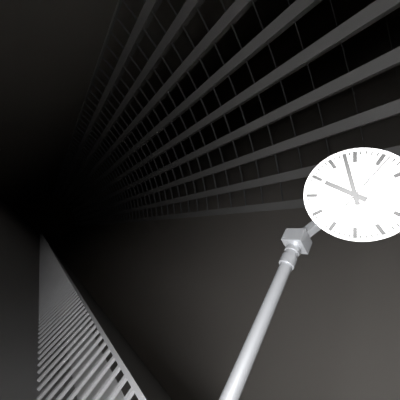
9:58:06
